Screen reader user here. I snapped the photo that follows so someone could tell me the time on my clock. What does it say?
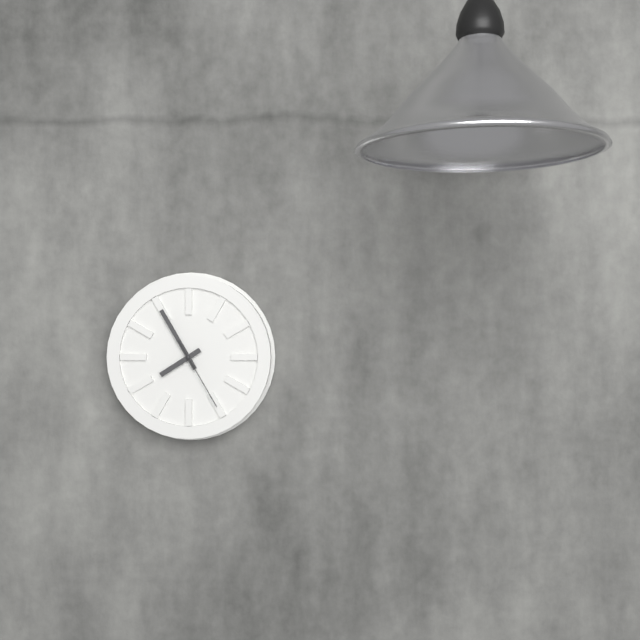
7:55:25
